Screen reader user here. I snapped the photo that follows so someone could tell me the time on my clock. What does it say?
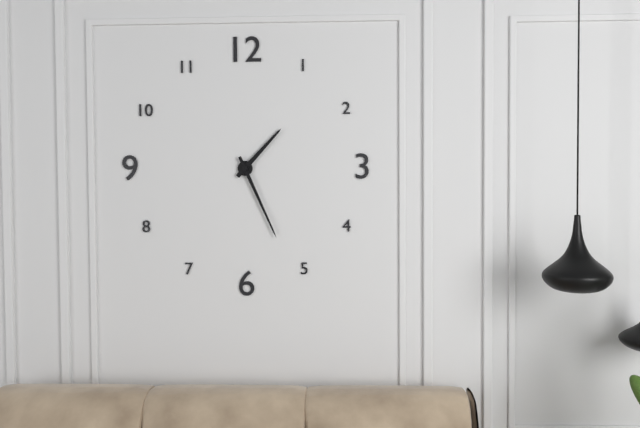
1:26
